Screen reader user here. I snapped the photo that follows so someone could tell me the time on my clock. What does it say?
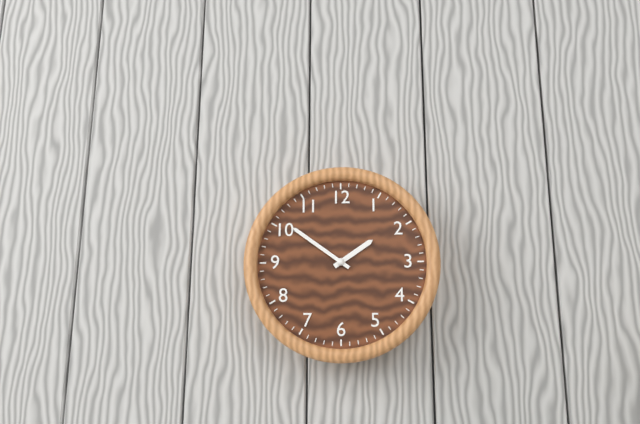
1:51
